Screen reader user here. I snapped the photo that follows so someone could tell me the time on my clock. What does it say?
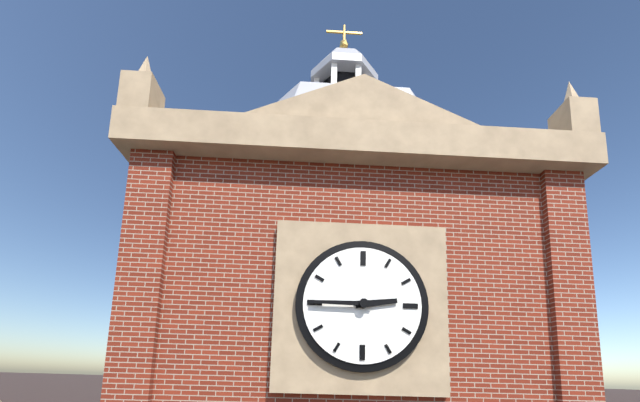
2:45
